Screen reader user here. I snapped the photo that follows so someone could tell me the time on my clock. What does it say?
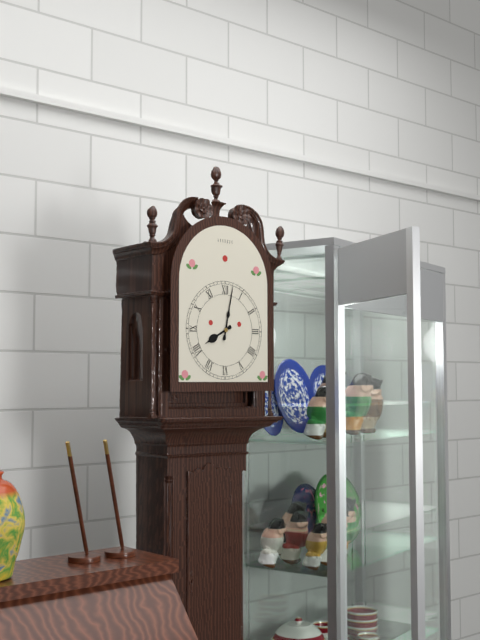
8:02
